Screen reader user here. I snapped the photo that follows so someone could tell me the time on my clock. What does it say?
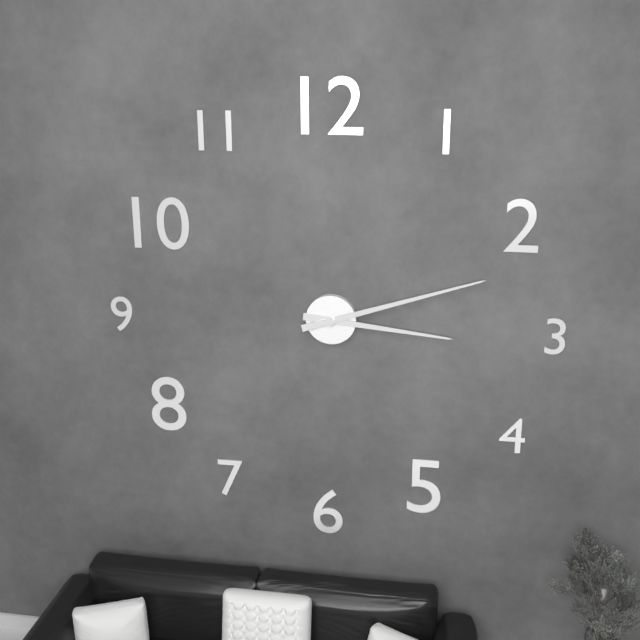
3:12
